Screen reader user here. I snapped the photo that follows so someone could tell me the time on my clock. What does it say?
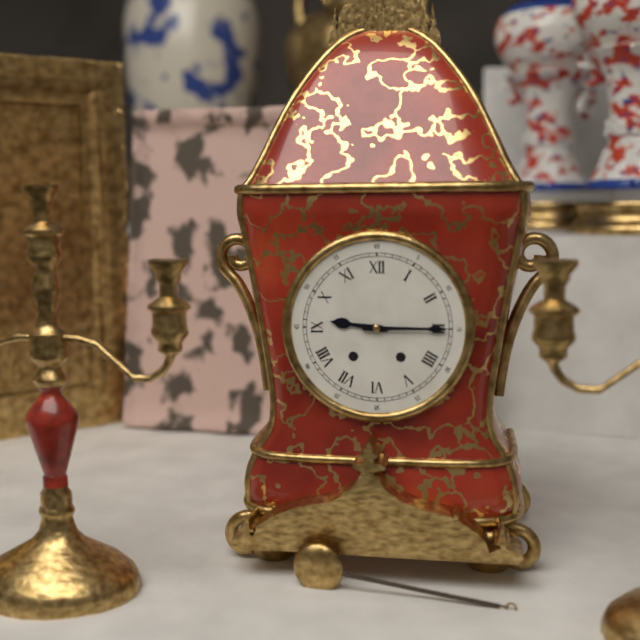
9:15
